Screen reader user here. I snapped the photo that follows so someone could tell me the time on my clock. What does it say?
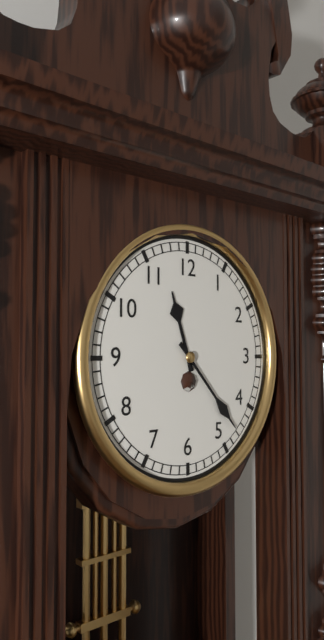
11:23
